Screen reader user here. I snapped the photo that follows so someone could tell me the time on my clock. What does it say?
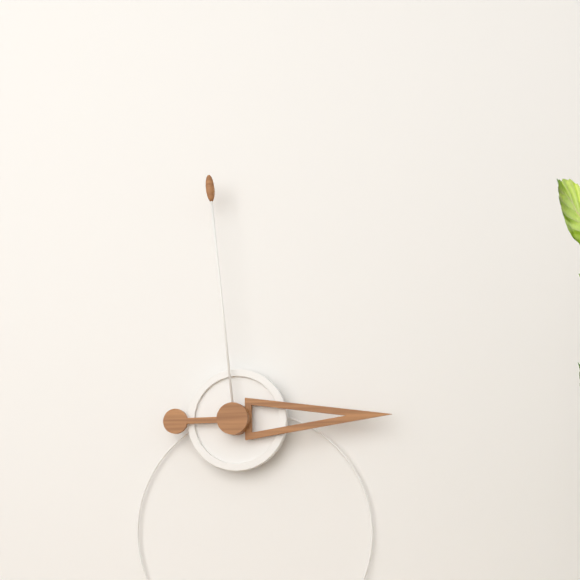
2:59
